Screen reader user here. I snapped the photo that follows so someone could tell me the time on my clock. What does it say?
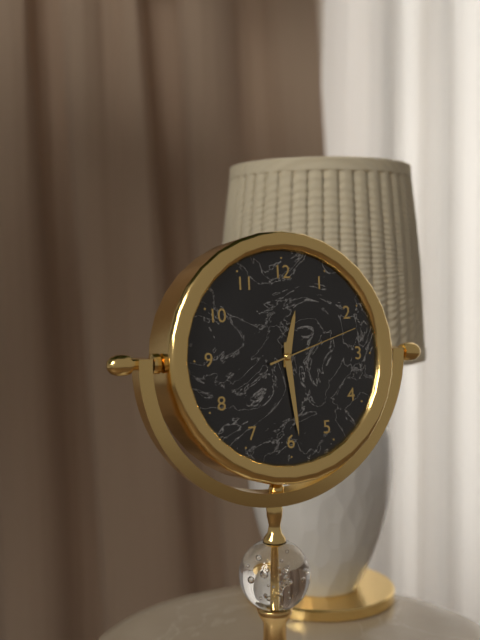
12:29:12
